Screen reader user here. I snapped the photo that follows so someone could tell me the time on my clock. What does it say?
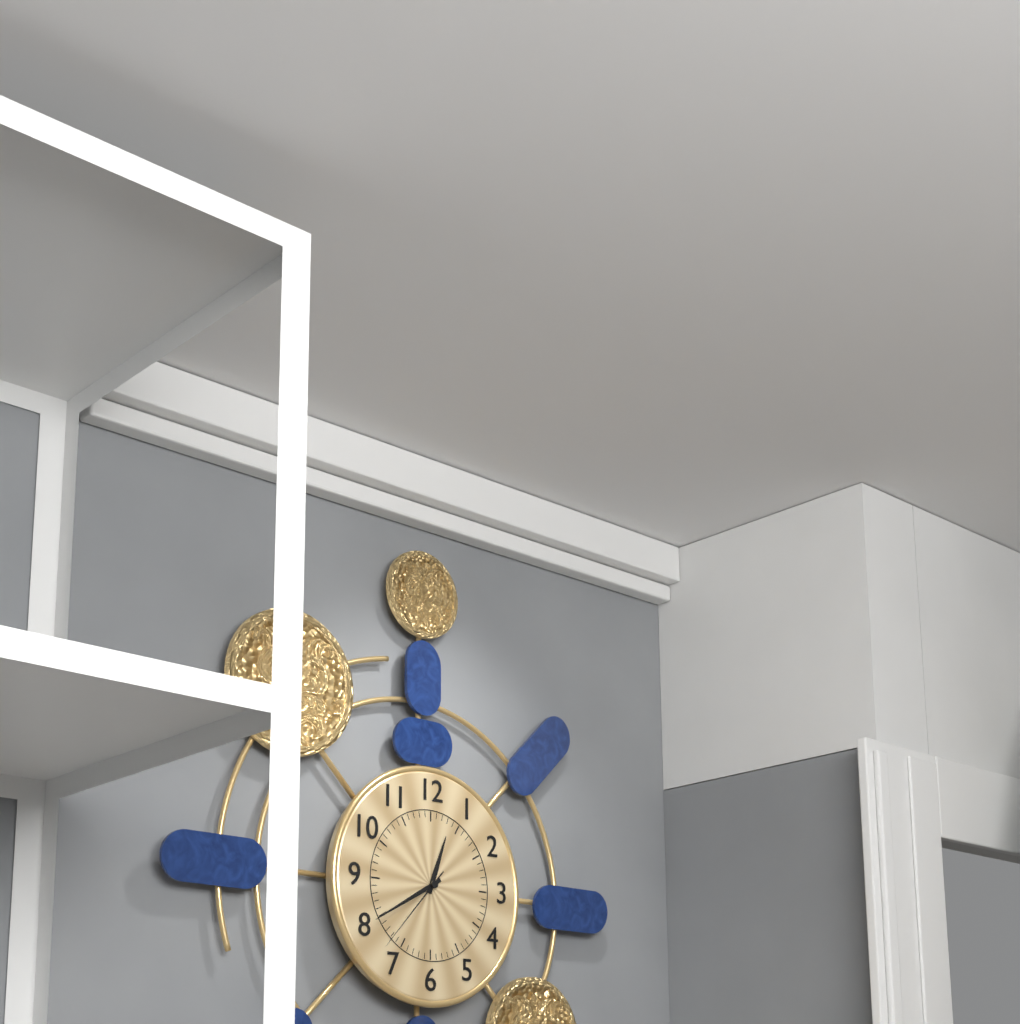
12:40:37
